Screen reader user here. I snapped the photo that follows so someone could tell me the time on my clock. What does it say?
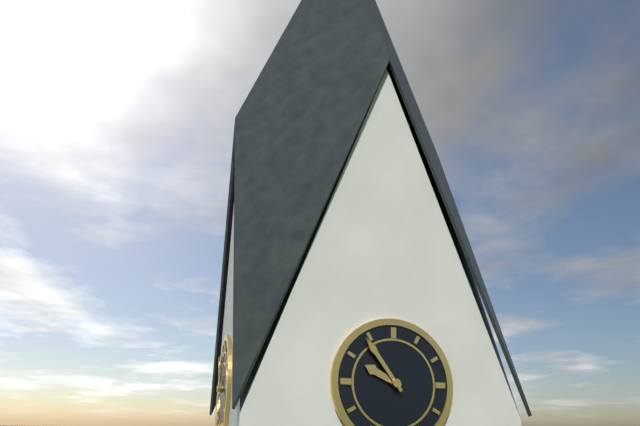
9:54
